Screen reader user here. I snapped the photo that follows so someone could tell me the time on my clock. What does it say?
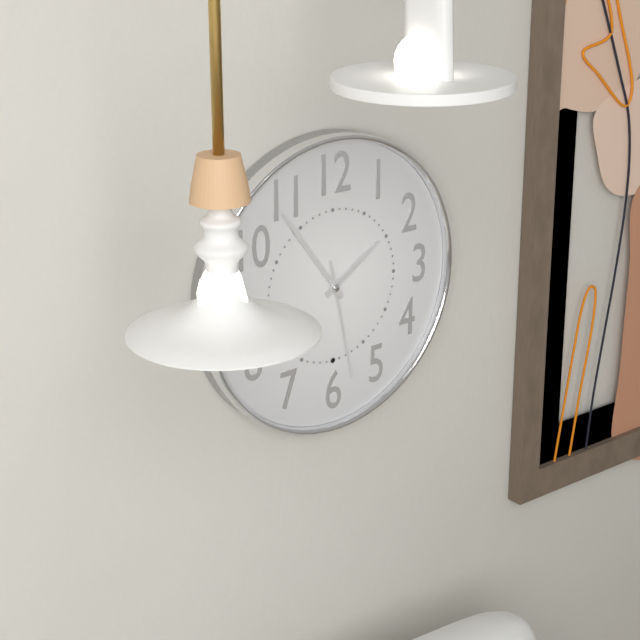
1:54:28
